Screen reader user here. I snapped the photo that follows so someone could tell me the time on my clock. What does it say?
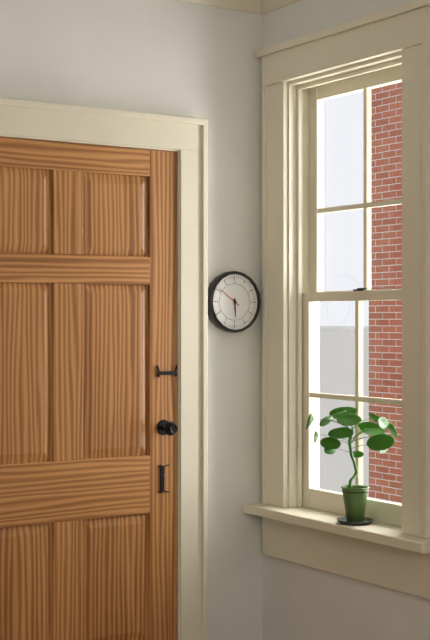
5:51
